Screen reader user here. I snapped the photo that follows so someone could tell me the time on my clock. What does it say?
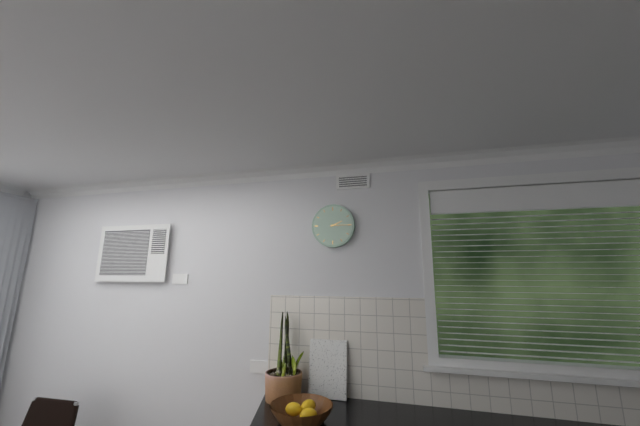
2:15
